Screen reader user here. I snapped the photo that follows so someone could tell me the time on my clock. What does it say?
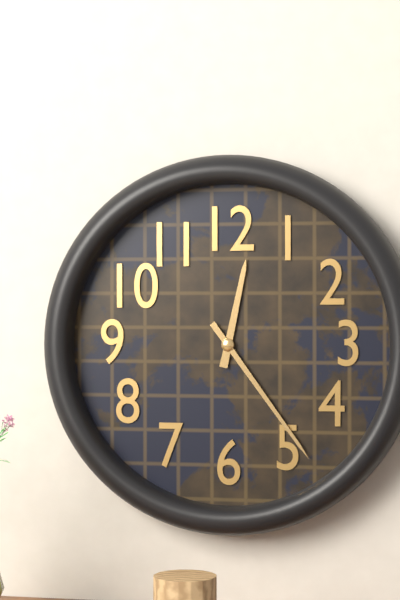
12:24
